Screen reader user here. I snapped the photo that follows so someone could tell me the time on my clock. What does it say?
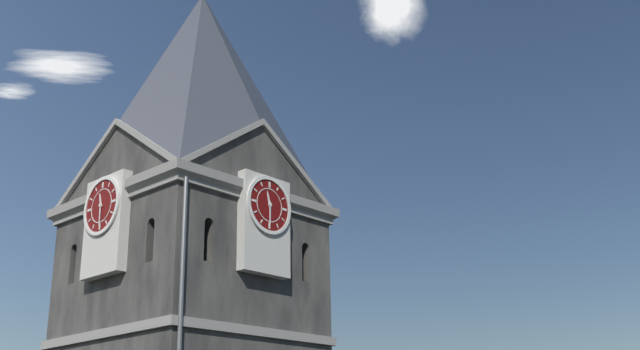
11:30
